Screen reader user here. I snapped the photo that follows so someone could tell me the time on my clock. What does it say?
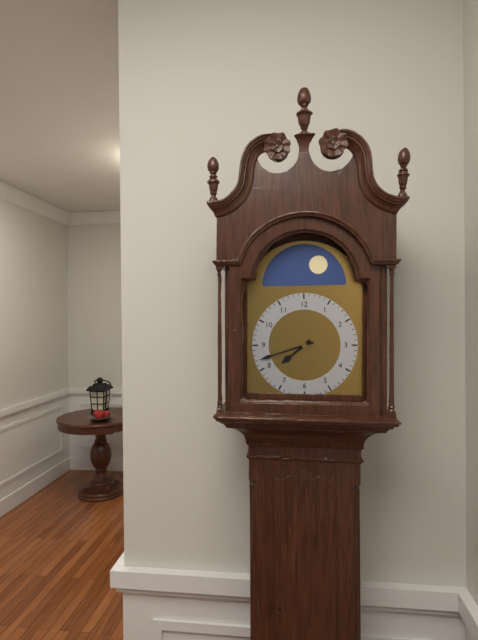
7:42
